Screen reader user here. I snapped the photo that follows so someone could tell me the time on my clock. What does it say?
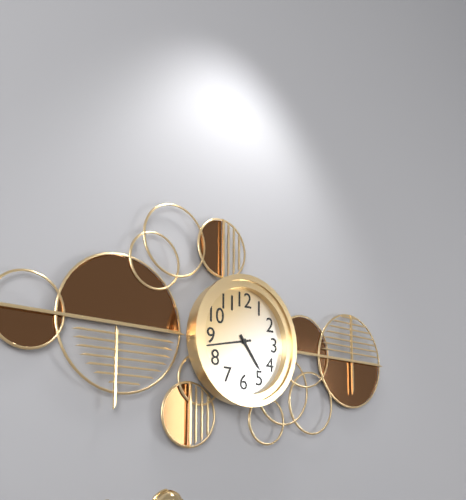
4:43
